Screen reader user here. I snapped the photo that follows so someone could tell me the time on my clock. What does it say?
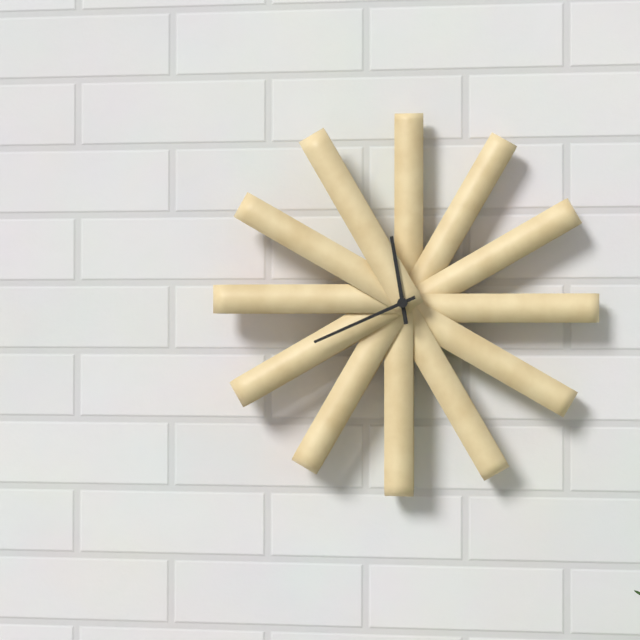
11:41
